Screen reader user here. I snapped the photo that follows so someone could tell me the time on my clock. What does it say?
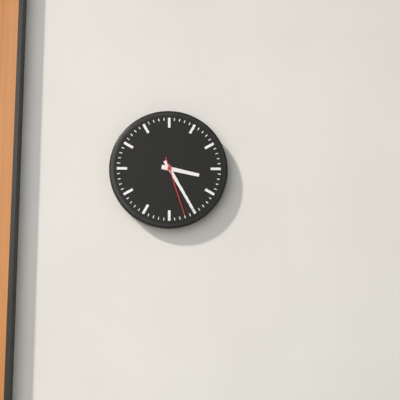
3:25:27
